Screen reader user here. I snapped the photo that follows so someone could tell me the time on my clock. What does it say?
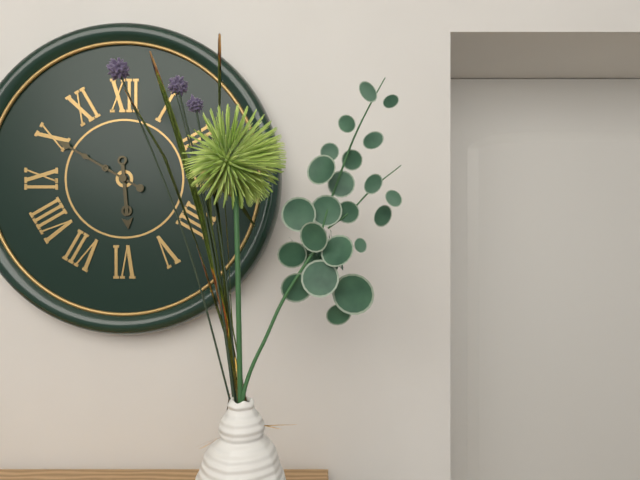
5:50
